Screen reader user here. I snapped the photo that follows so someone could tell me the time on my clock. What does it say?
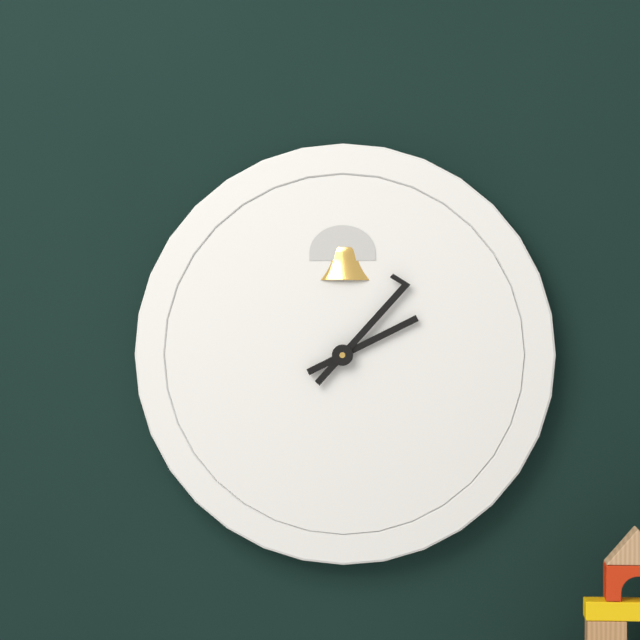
2:07
